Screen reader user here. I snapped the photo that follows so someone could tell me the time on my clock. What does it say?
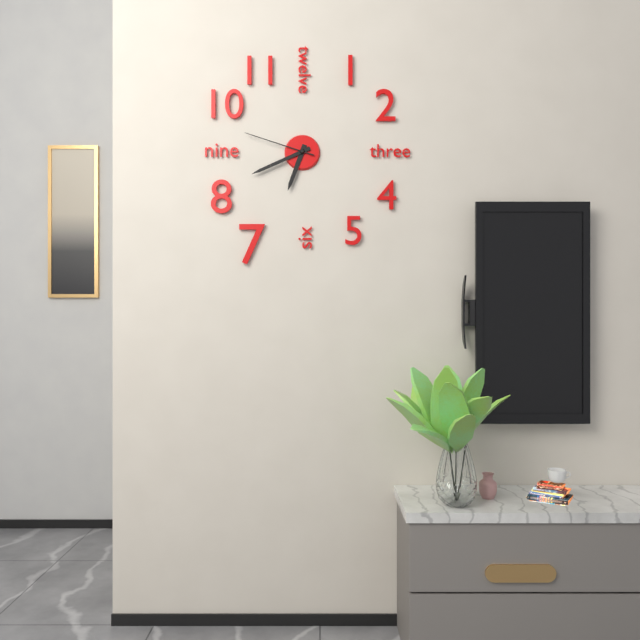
6:41:48
